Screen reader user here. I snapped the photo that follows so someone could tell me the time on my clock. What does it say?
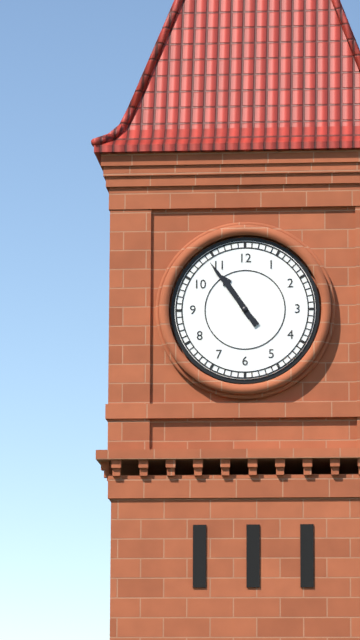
10:54
